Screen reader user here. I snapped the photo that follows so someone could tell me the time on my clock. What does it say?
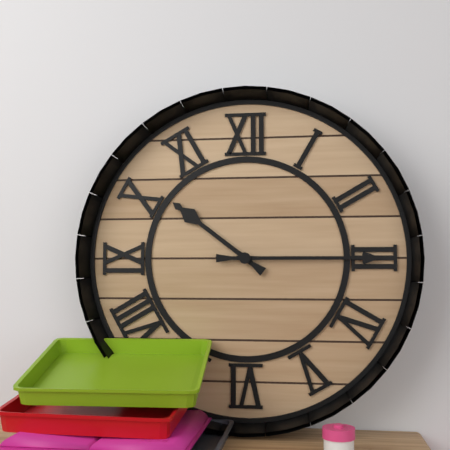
10:15
